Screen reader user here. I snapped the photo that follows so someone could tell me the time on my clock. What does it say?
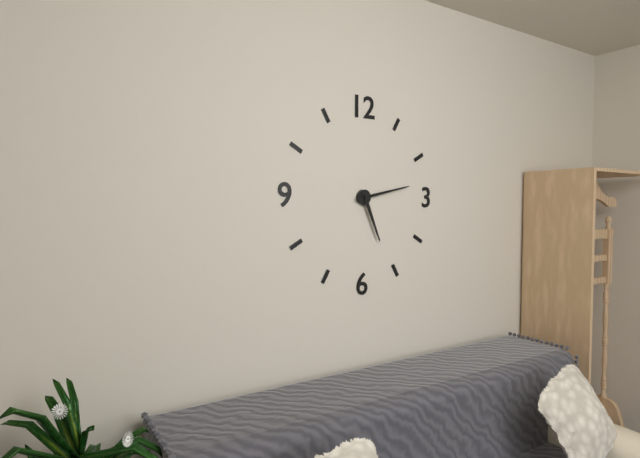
5:13
